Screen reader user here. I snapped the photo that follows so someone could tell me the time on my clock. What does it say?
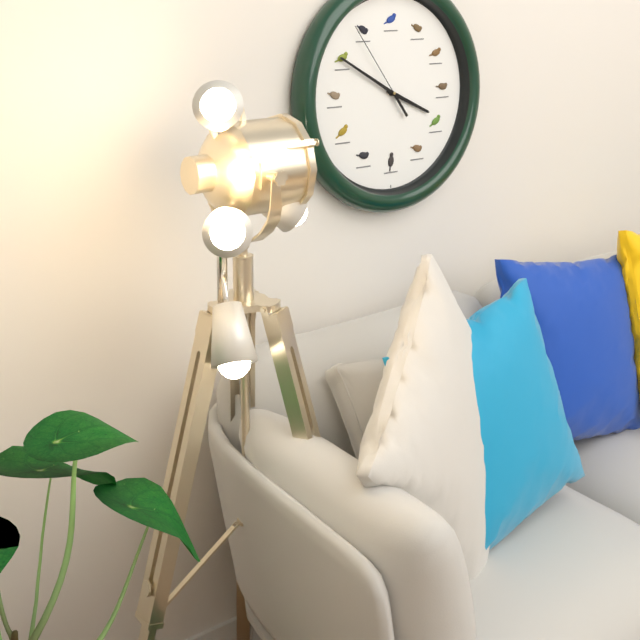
3:50:54
